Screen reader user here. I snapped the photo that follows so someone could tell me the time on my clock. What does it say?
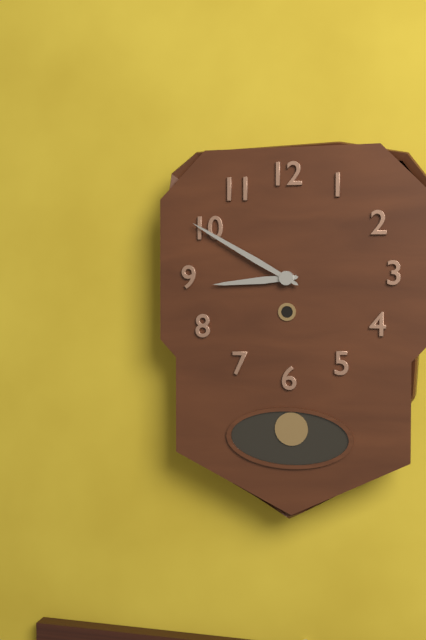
8:50
